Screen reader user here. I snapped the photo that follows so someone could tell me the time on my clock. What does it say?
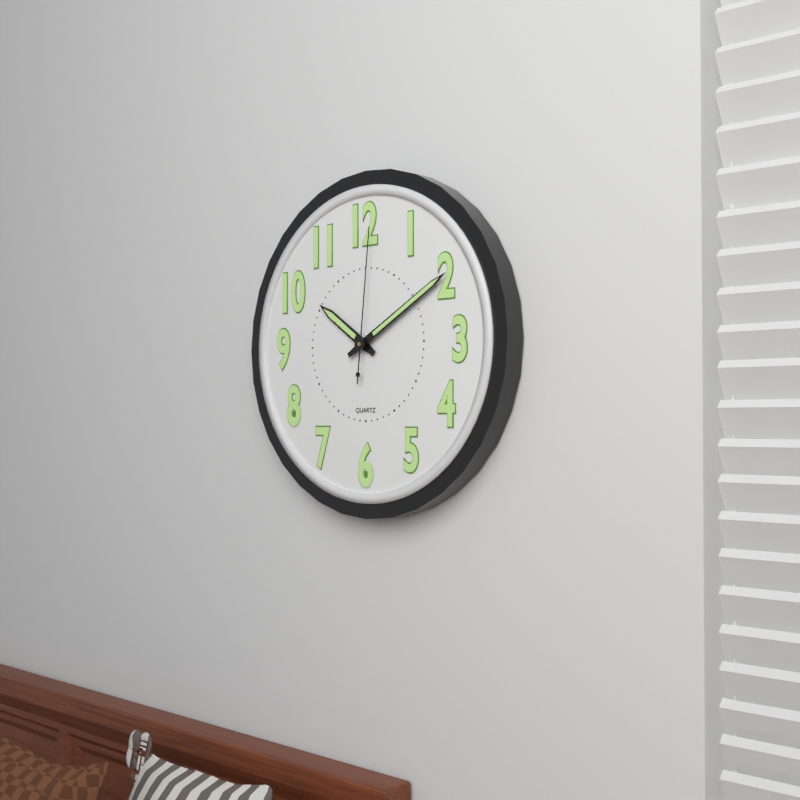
10:10:01
